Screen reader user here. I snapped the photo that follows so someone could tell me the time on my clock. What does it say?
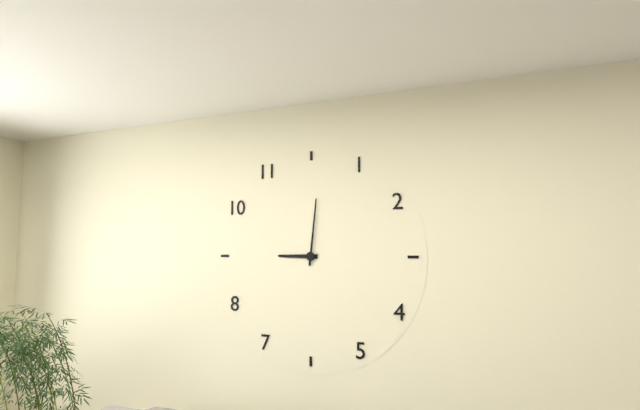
9:01
